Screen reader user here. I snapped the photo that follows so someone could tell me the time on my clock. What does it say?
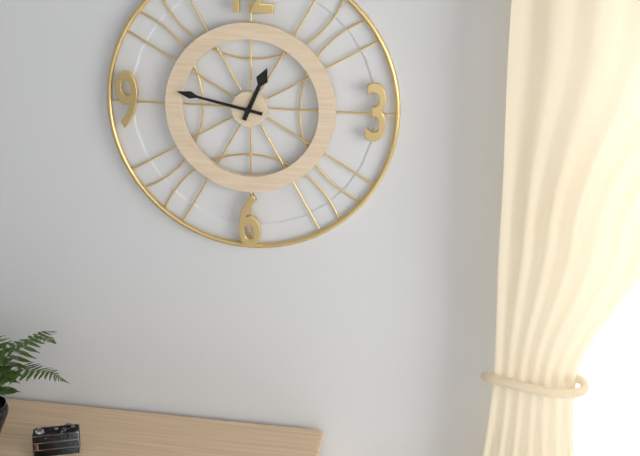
12:47
